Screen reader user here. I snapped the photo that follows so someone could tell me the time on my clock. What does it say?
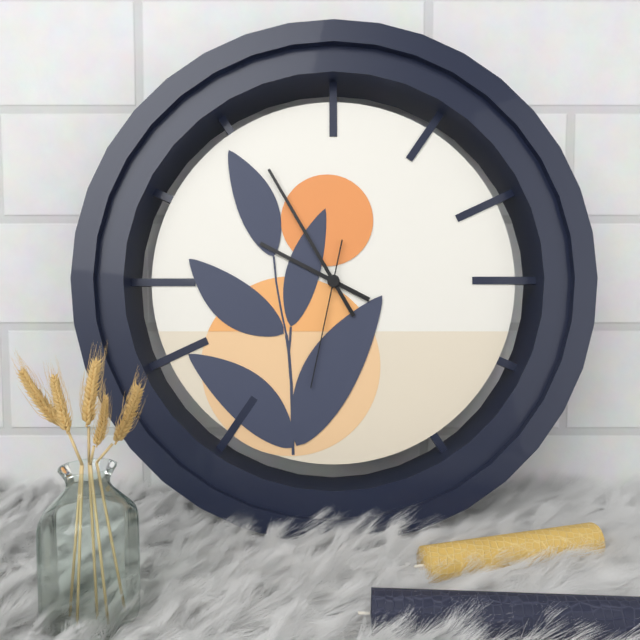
9:55:32
